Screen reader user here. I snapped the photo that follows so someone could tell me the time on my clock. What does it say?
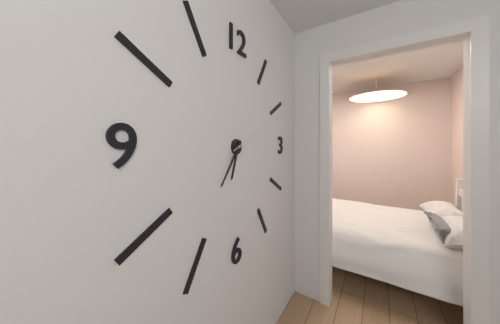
6:36
